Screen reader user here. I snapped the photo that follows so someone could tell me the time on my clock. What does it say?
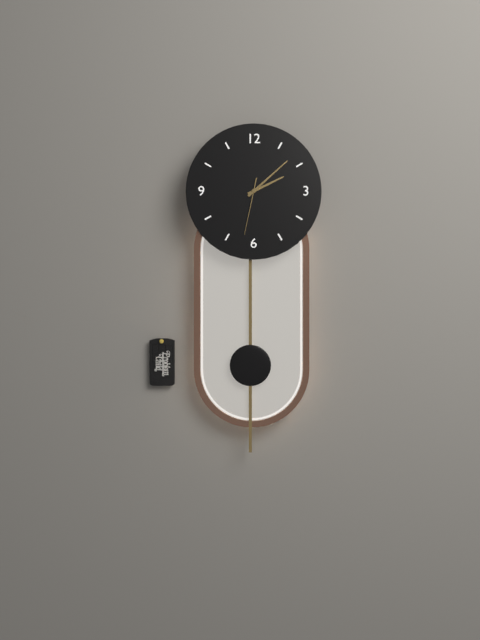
2:08:32
